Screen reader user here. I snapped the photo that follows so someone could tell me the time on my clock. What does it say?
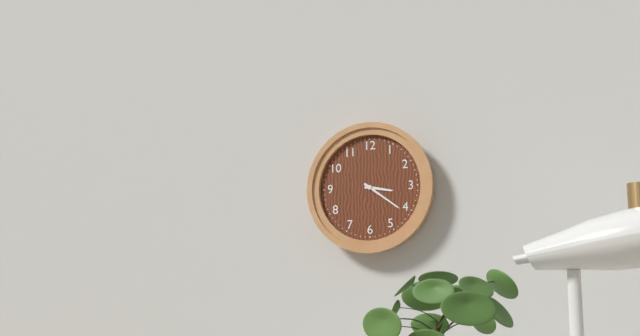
3:21
